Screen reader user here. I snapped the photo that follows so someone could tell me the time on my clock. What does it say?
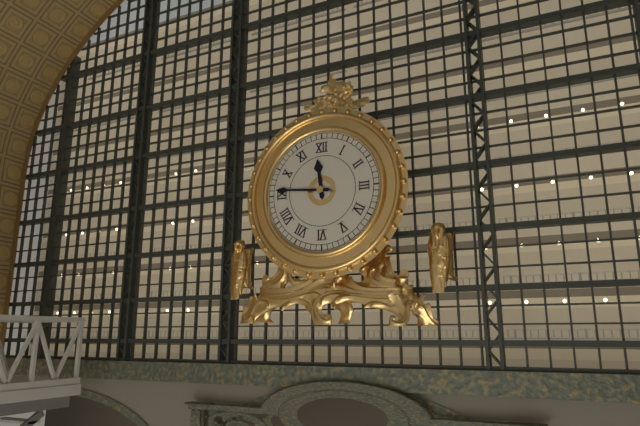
11:46
